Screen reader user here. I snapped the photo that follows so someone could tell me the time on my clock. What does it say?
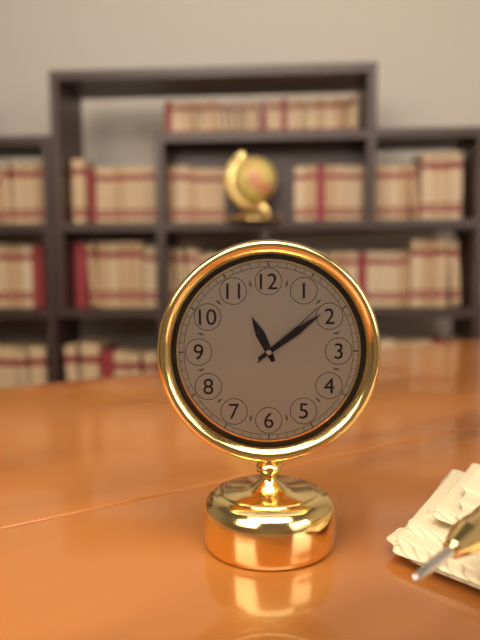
11:09:08
